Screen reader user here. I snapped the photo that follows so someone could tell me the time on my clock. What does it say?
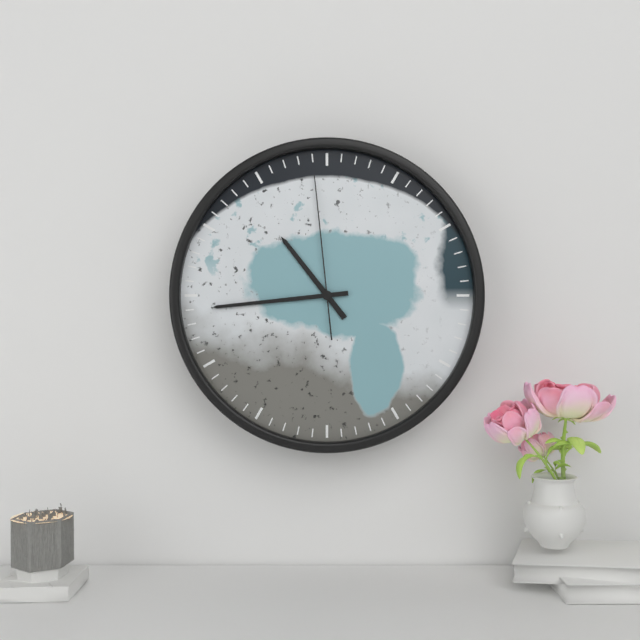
10:44:59
